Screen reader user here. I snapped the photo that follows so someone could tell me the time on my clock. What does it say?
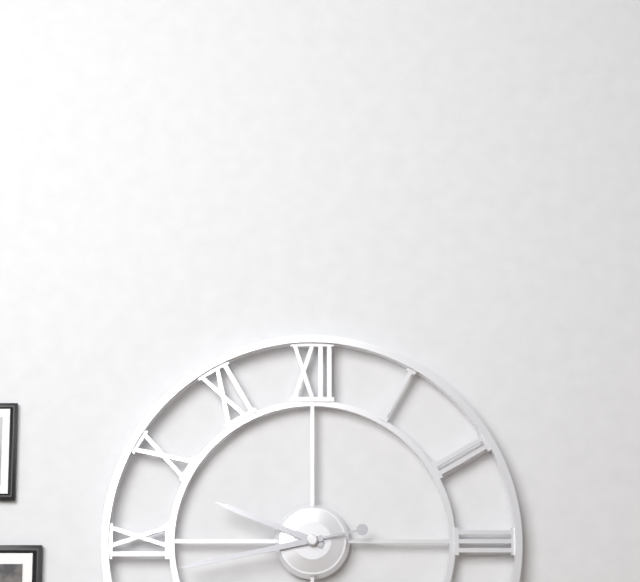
9:43
